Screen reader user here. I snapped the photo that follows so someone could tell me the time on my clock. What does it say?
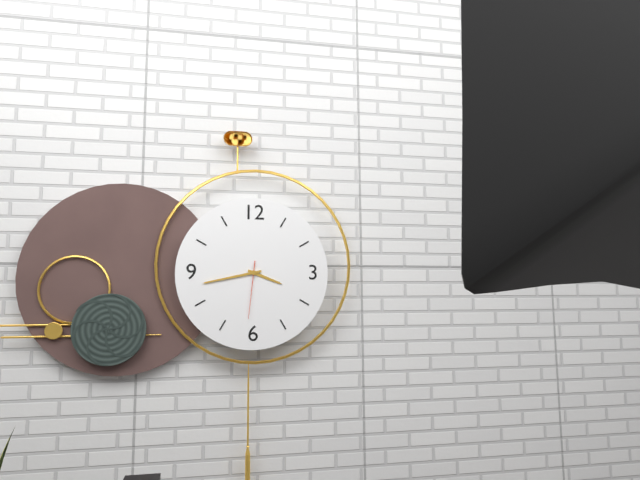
3:43:31
